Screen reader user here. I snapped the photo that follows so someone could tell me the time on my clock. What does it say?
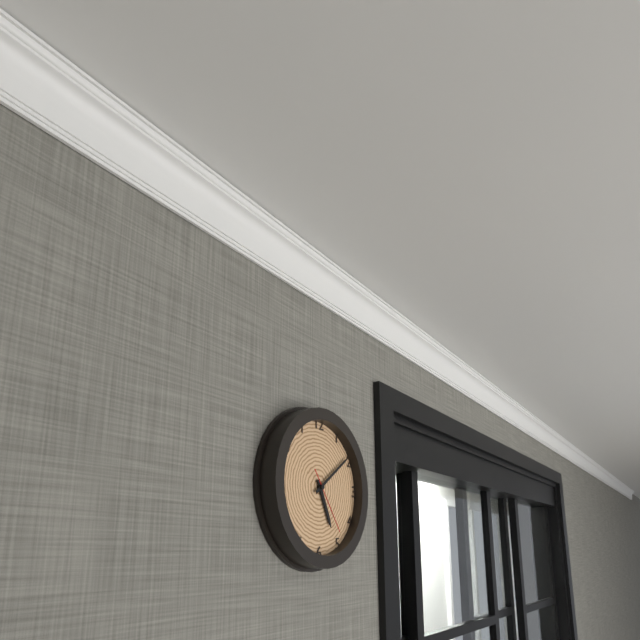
5:09:24
